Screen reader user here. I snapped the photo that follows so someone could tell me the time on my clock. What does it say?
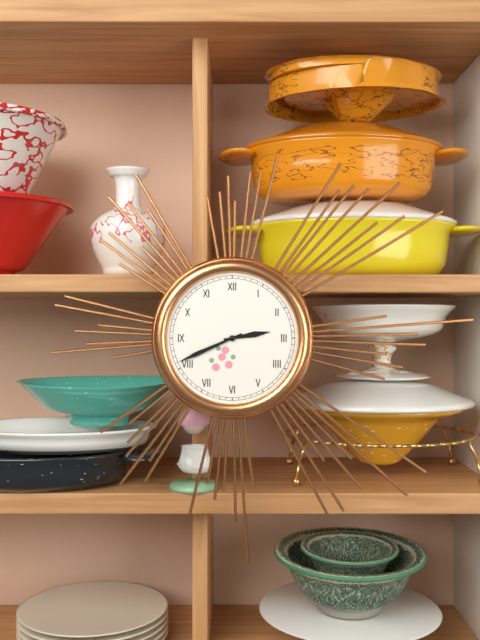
2:41
